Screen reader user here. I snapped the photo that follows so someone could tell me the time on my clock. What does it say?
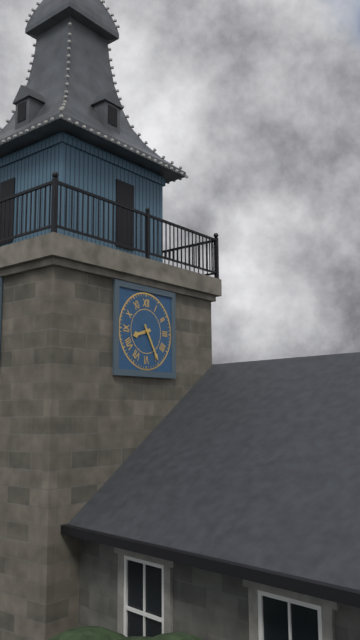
8:25
